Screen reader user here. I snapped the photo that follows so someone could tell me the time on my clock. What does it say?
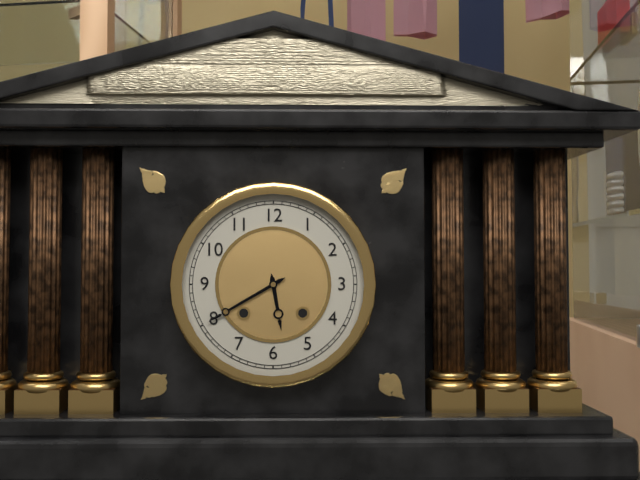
5:40
